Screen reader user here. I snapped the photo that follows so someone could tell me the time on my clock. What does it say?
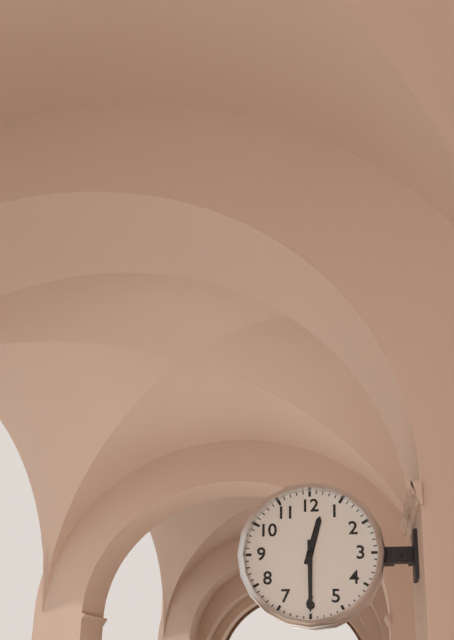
12:30
